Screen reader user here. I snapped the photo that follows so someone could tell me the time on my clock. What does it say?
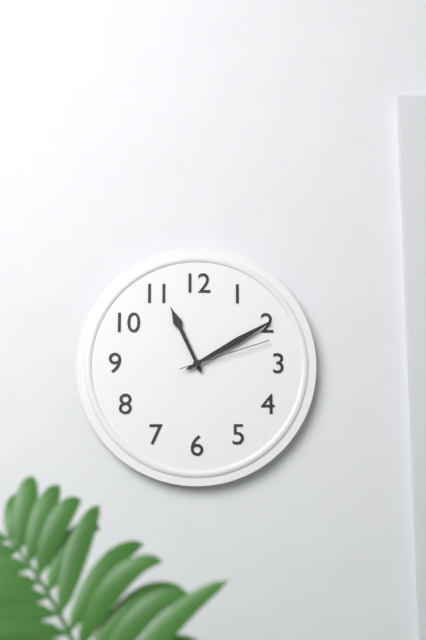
11:10:12
